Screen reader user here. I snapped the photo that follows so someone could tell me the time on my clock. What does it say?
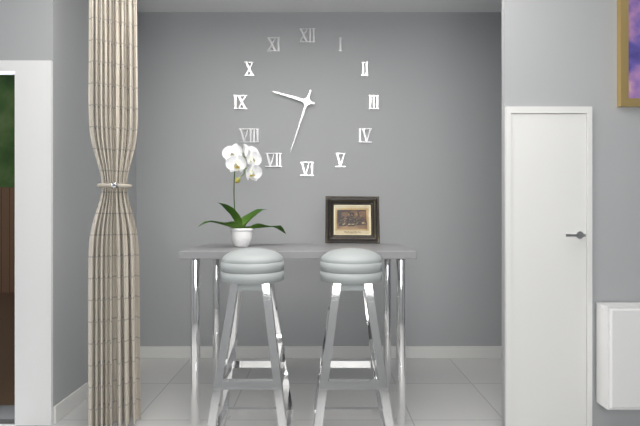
9:33
